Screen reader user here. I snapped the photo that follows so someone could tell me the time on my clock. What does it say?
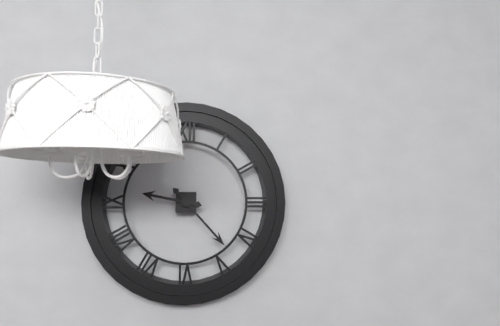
9:23
